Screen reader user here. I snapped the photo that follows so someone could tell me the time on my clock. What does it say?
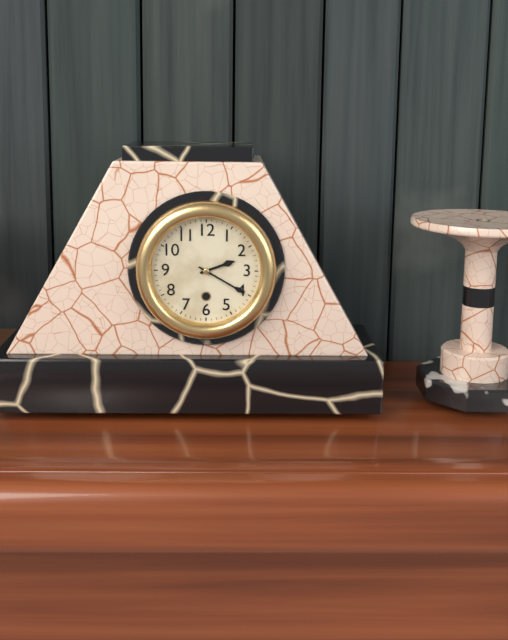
2:20
